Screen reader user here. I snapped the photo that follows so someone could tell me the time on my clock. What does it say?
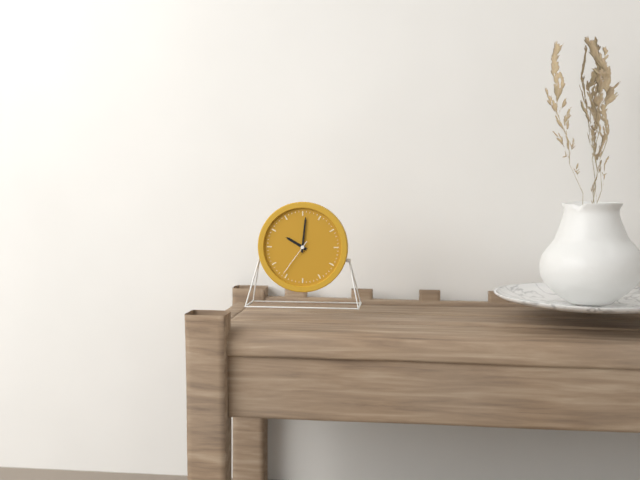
10:01
